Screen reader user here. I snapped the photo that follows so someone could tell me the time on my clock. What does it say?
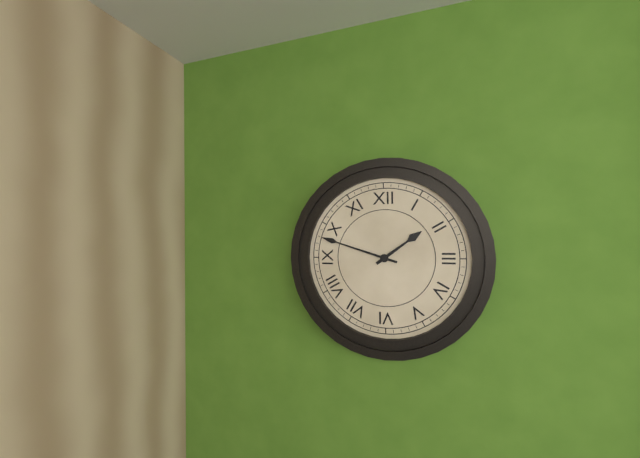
1:48
